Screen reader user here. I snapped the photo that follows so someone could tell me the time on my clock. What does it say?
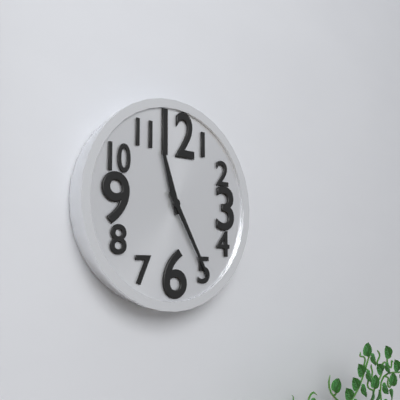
11:25
